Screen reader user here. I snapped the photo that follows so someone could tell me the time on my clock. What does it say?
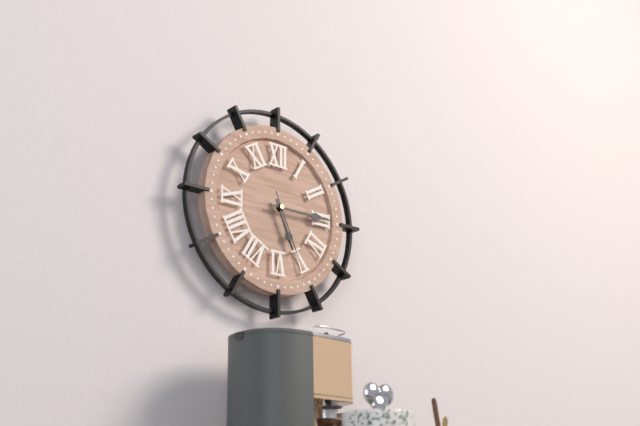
5:15:26
